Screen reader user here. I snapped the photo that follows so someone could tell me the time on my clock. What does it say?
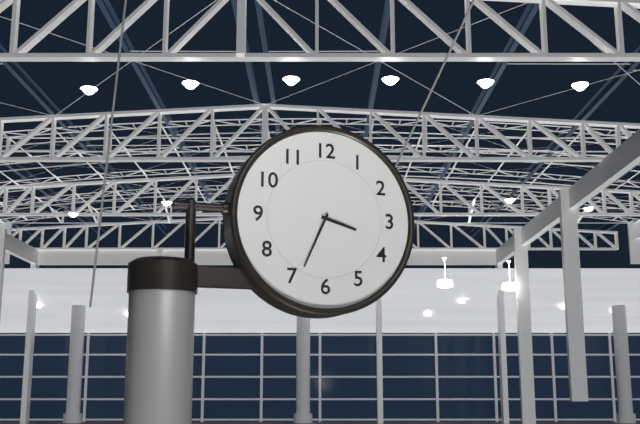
3:34
